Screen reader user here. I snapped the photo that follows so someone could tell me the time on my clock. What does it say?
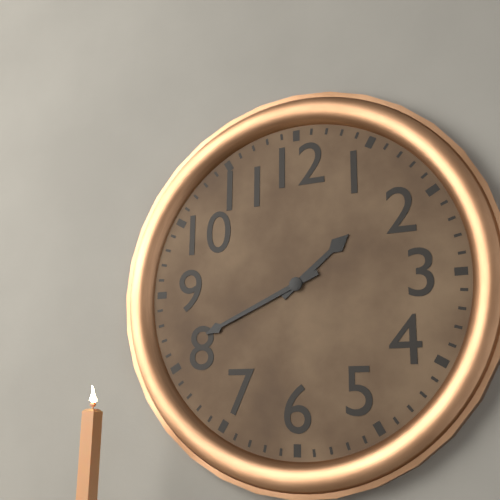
1:41
